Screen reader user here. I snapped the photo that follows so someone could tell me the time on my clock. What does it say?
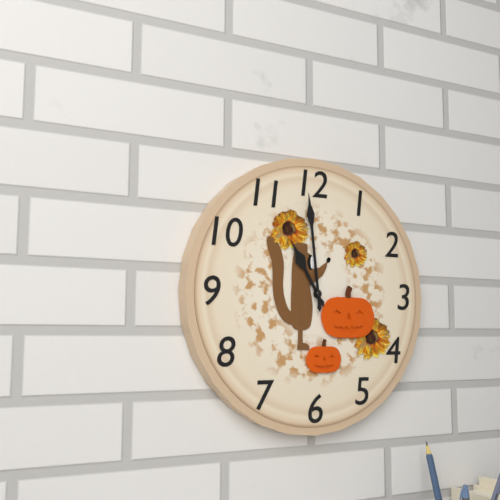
10:59
